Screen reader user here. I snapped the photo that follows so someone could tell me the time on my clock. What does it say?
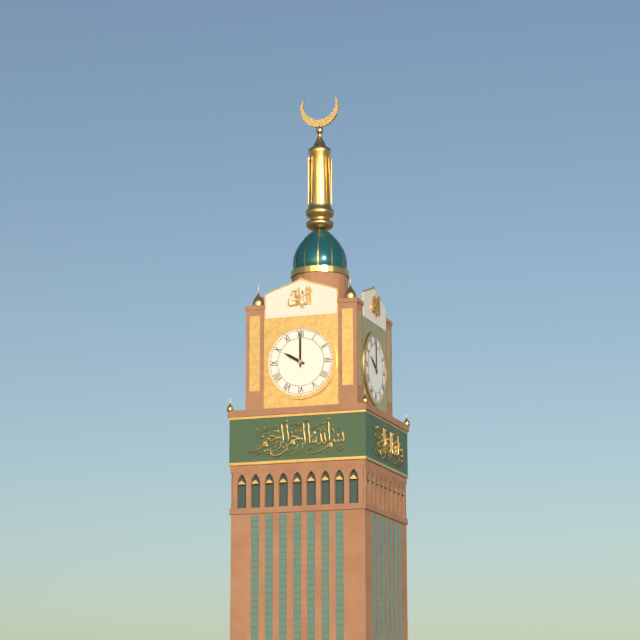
10:00
